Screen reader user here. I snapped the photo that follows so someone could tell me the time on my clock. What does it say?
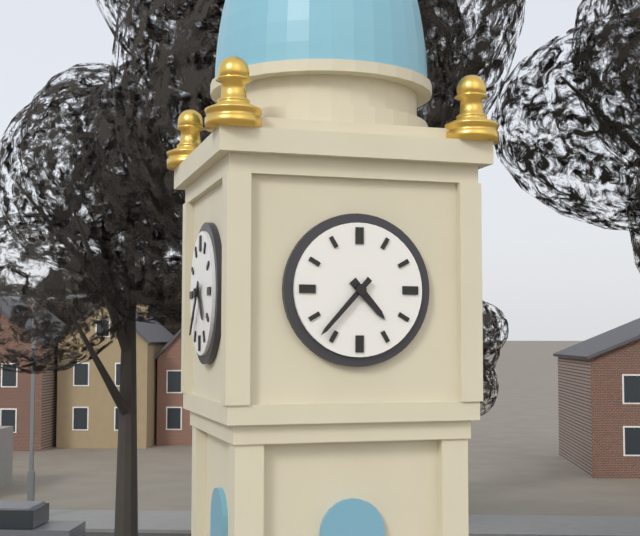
4:37
